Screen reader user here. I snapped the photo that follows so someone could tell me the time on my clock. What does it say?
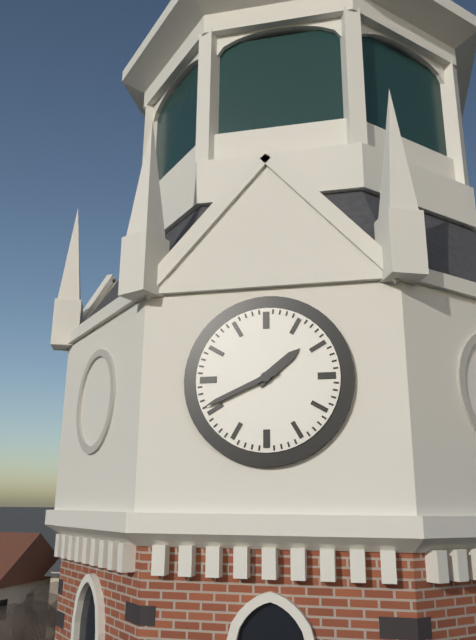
1:41
